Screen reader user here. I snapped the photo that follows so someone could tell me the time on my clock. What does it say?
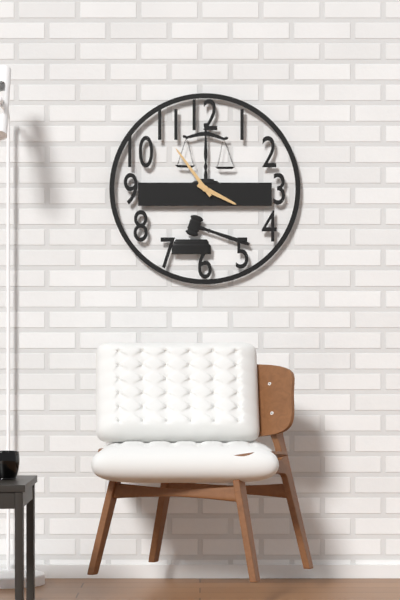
3:54
